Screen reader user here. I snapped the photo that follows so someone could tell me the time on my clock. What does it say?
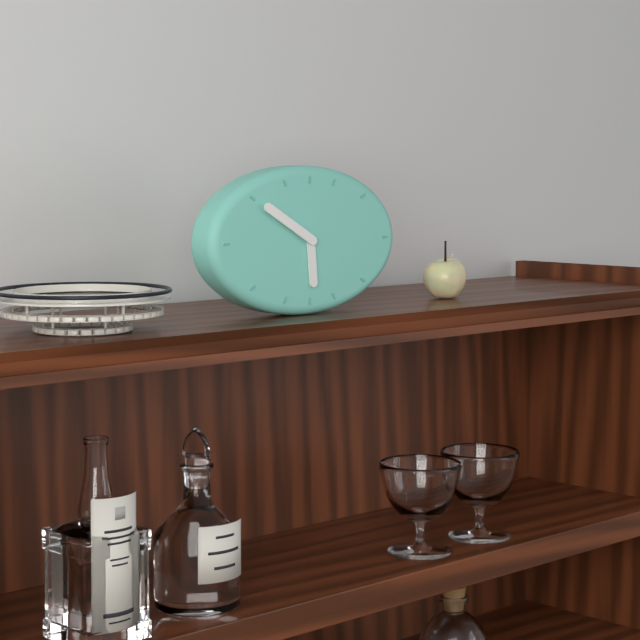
5:50
